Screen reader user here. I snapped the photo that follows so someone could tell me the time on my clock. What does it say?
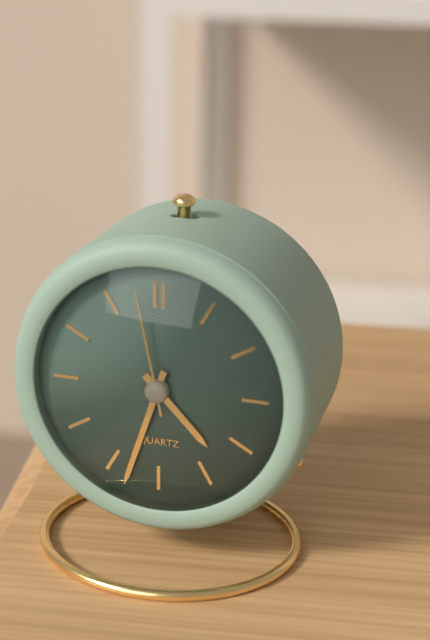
4:33:58
